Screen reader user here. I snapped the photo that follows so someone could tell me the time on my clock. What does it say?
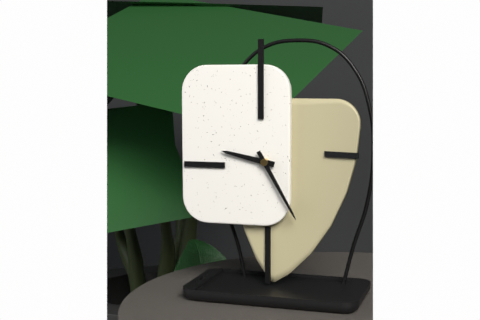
9:25
